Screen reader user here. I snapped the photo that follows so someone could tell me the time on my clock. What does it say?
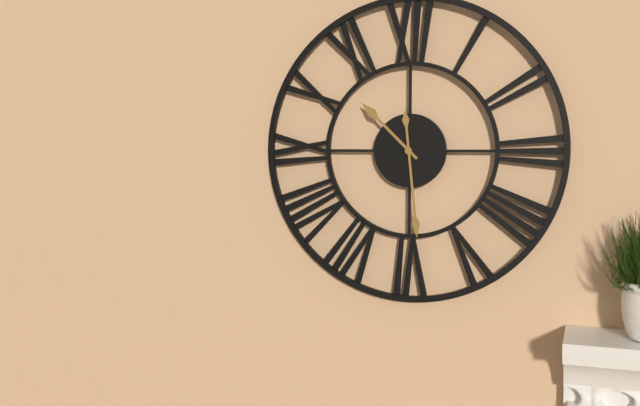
10:29
